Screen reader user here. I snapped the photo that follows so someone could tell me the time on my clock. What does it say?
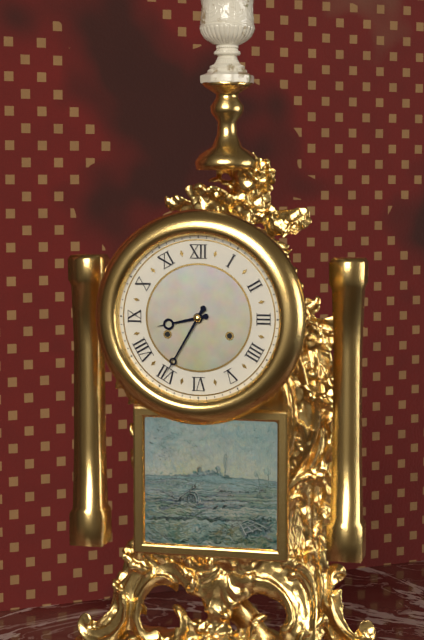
8:35
